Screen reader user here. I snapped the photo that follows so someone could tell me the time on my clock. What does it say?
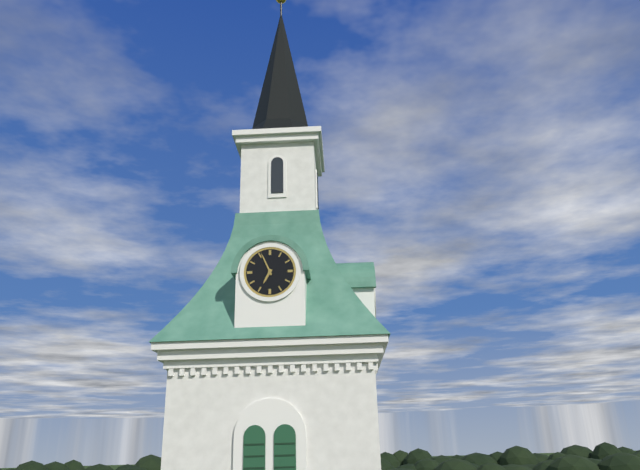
6:56
